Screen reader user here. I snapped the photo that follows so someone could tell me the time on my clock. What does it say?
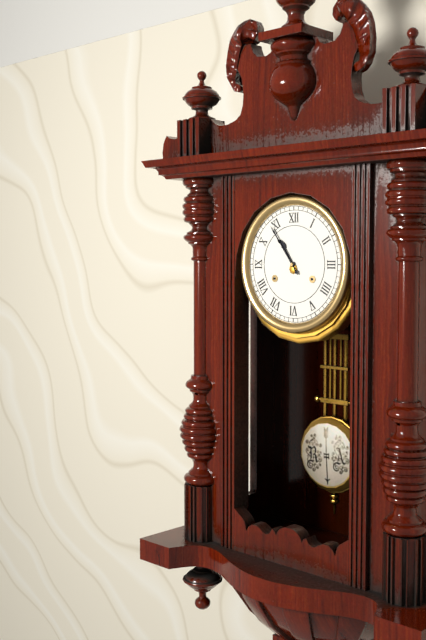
10:54
